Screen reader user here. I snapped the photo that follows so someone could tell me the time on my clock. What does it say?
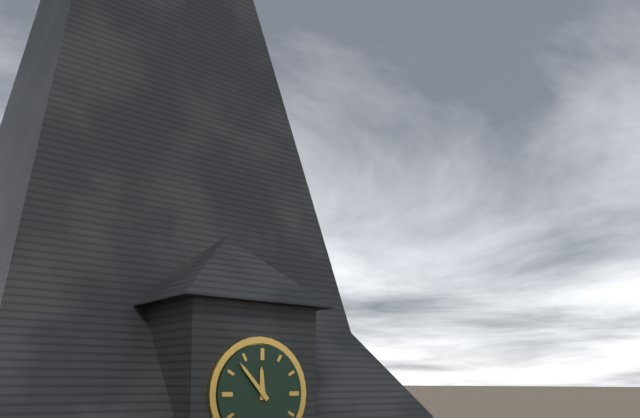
11:53
